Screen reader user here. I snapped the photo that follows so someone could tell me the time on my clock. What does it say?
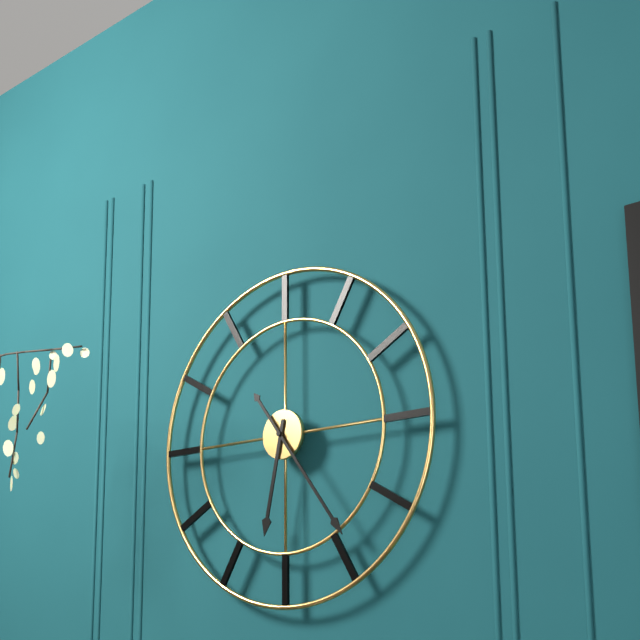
6:24
